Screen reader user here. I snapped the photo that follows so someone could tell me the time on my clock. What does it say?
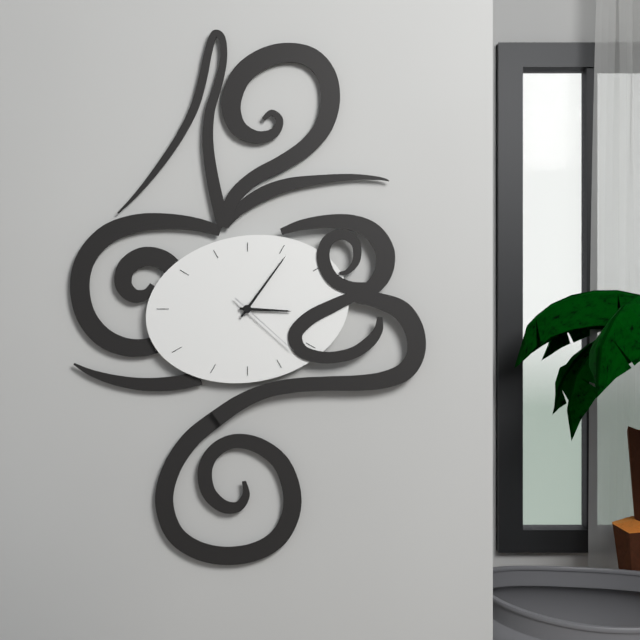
3:06:22
